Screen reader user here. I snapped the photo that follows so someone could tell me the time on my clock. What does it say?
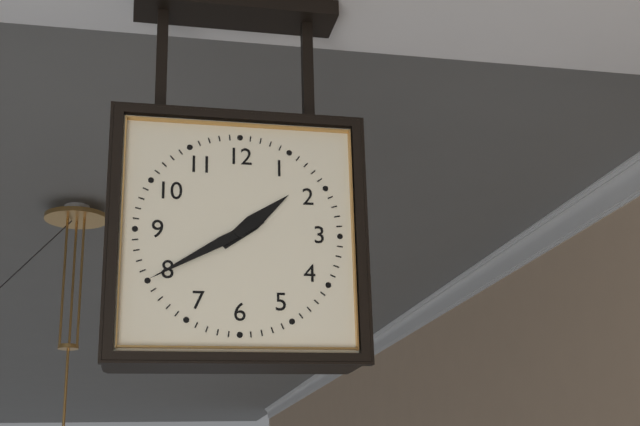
1:40
